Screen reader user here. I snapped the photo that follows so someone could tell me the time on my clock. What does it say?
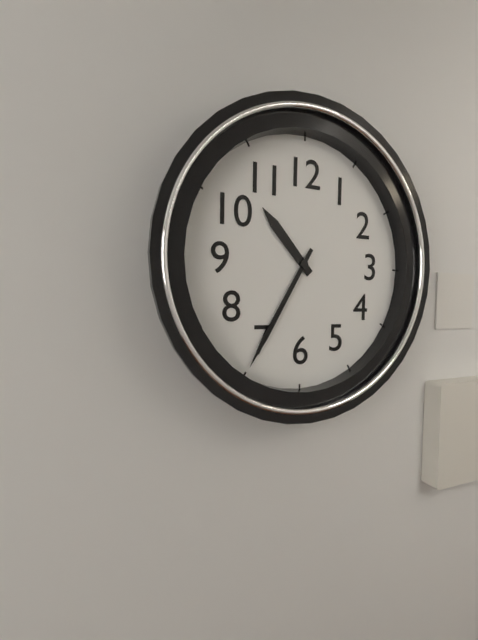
10:35
